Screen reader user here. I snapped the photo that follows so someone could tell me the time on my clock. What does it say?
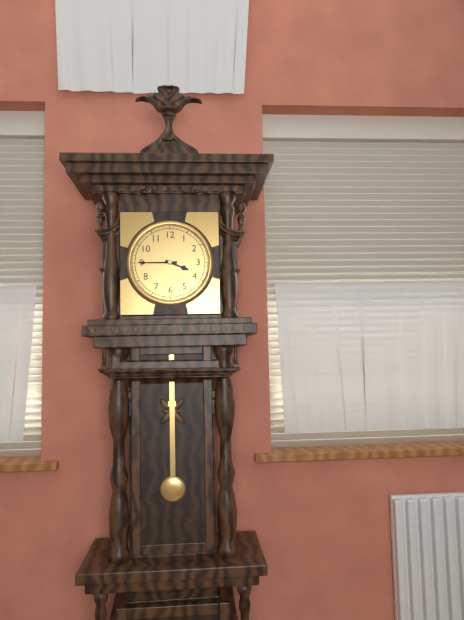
3:45
